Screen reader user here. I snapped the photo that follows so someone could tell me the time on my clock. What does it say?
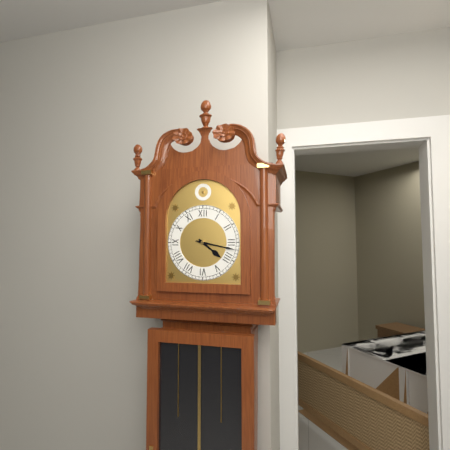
4:17
